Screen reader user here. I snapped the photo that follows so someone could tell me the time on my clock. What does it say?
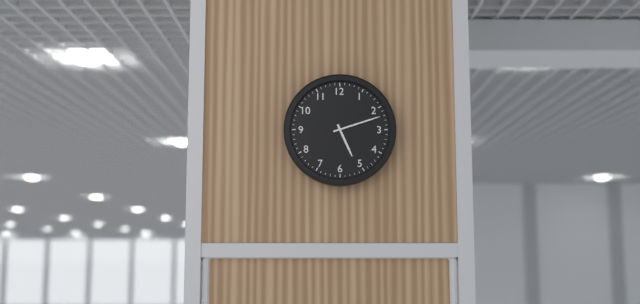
5:12
